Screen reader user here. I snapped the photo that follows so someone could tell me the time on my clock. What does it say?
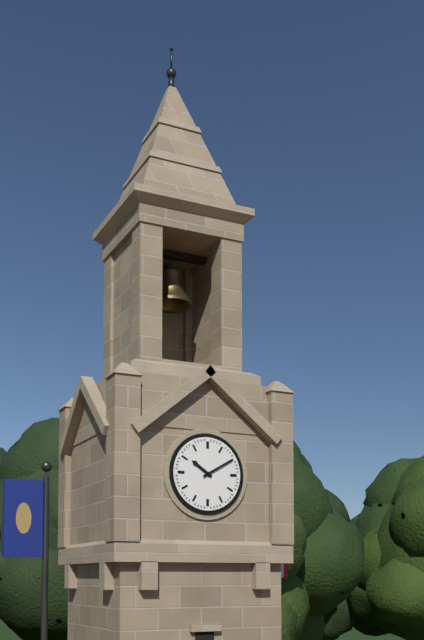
10:10
